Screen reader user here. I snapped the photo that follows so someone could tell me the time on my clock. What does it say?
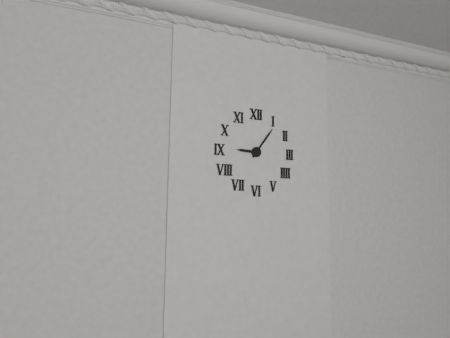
9:06
